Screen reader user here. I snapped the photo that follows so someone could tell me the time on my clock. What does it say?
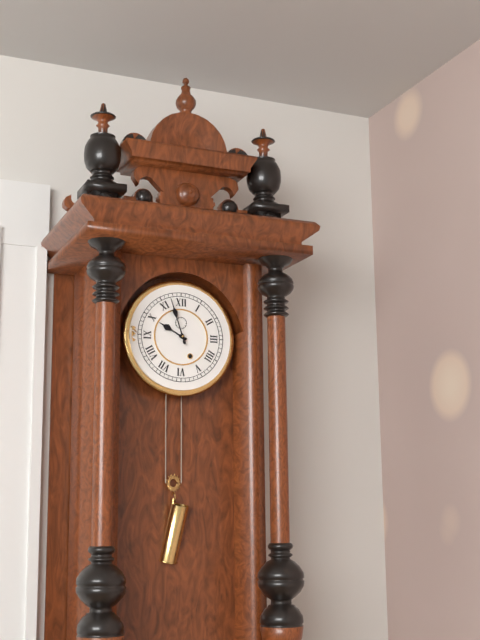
9:57
